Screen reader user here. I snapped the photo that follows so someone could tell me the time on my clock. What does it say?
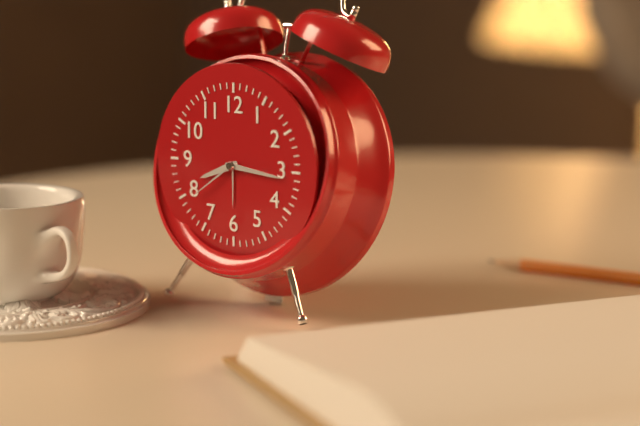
8:16:39
